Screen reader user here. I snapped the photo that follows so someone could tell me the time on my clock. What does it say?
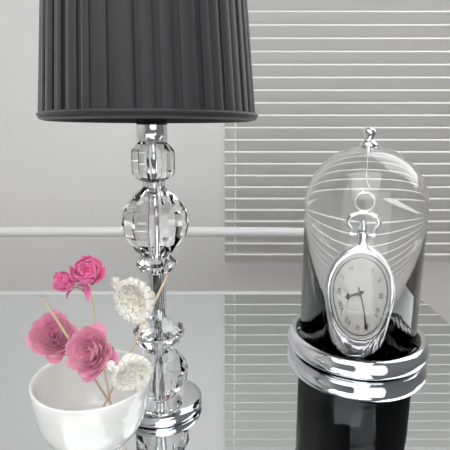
8:26
